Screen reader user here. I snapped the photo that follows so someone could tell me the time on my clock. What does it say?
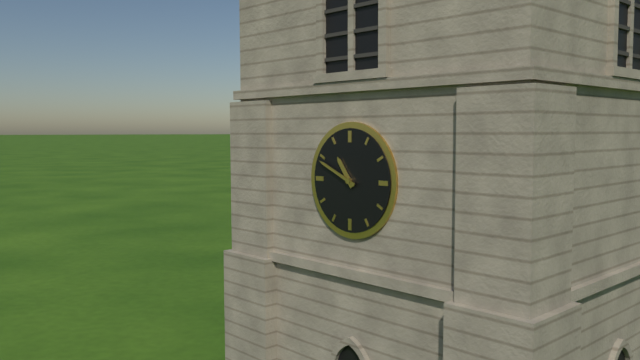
10:49
